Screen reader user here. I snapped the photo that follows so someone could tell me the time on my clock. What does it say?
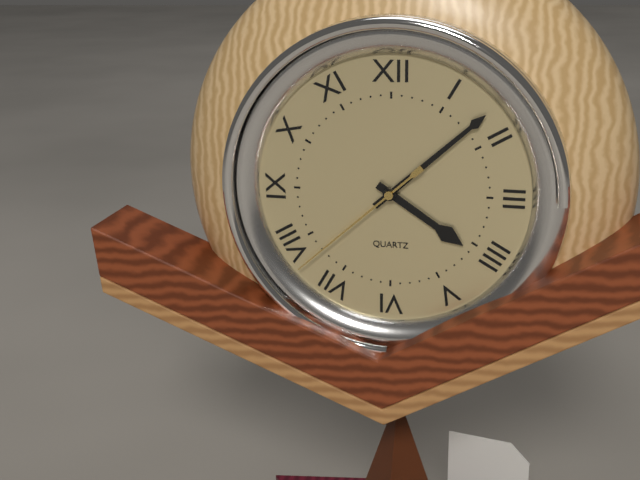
4:08:38
